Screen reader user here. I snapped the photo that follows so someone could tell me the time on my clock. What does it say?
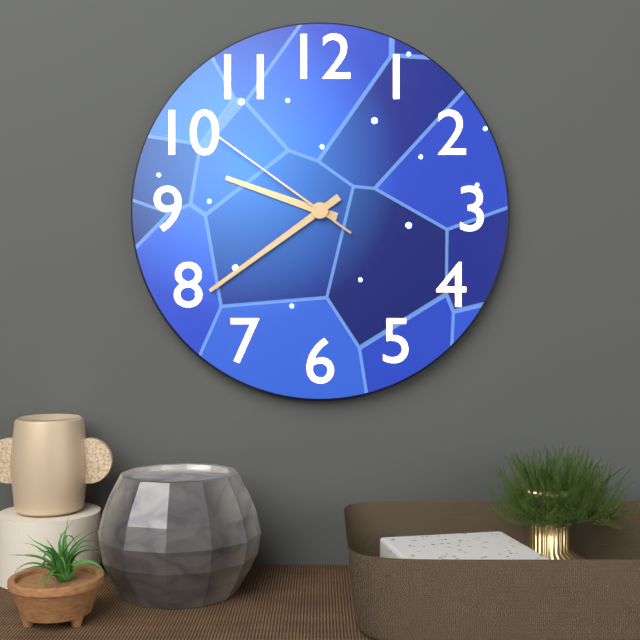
9:39:51
